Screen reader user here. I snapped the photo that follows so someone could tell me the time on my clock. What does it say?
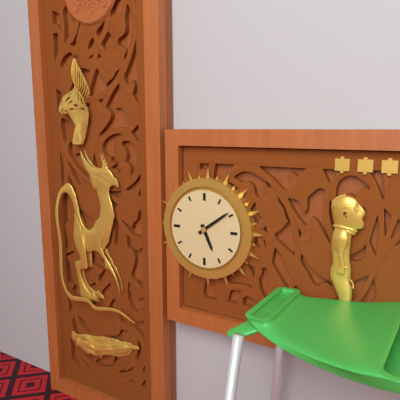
5:09
